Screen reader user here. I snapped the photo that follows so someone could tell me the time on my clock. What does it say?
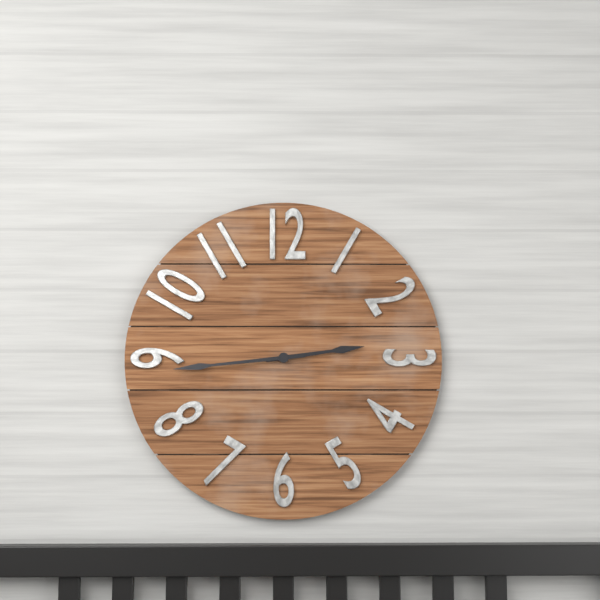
2:44
